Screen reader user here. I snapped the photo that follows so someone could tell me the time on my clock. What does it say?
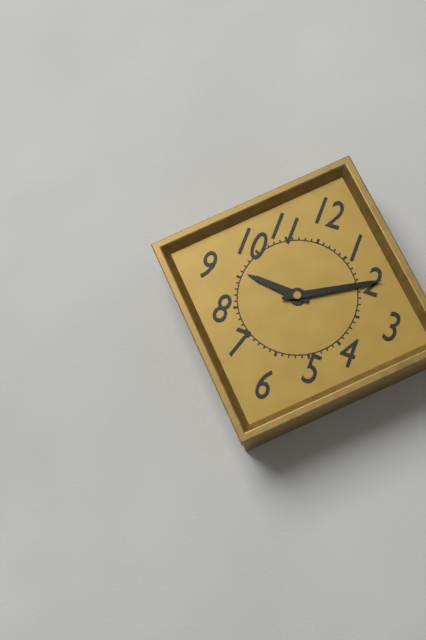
9:10
